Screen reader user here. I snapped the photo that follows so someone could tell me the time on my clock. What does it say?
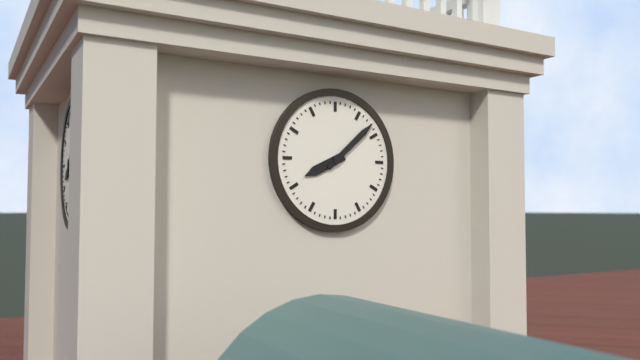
8:08
